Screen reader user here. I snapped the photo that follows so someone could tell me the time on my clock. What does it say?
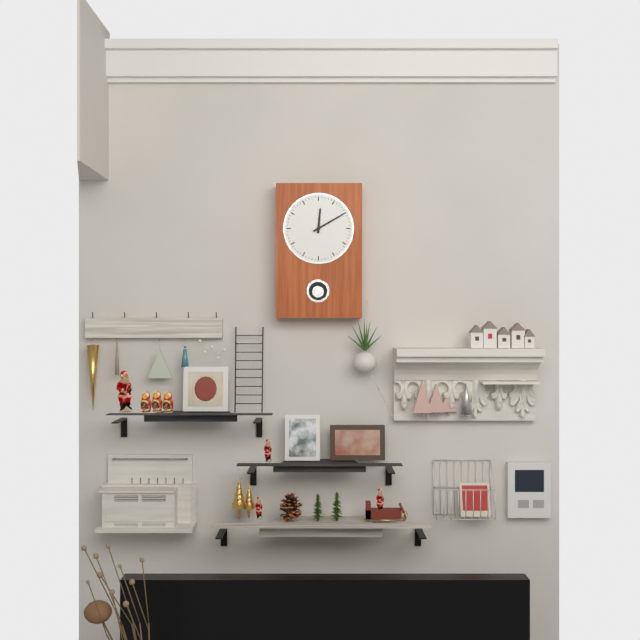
12:10
